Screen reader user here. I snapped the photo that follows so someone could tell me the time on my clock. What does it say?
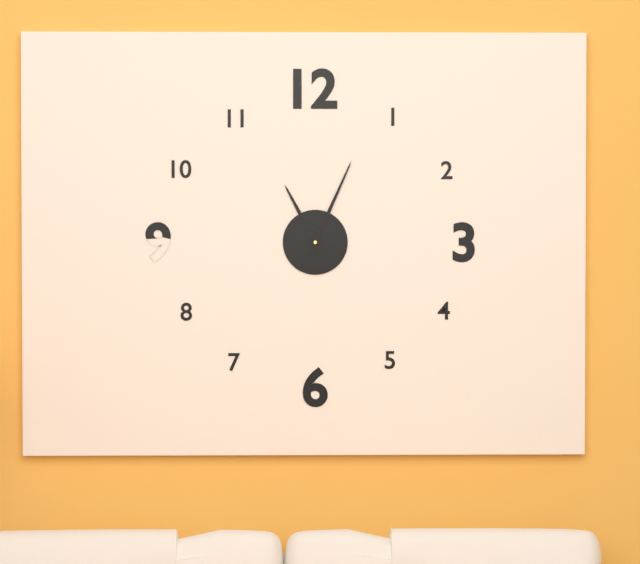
11:04
